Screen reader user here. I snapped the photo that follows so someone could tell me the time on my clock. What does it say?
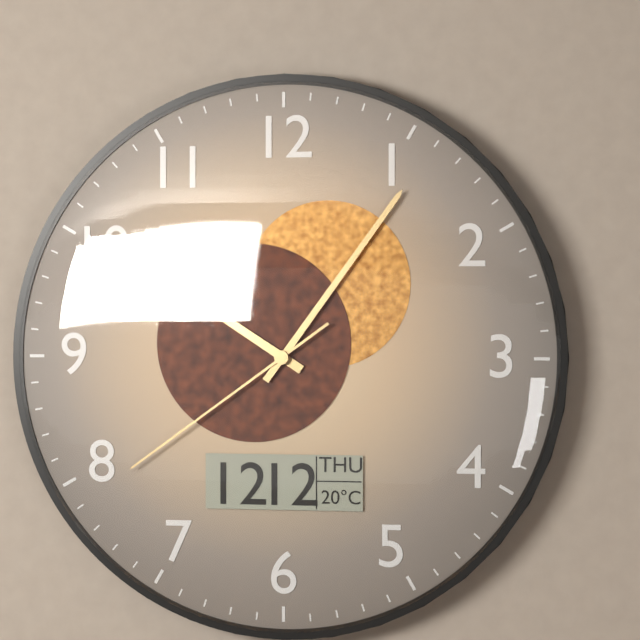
10:06:39
